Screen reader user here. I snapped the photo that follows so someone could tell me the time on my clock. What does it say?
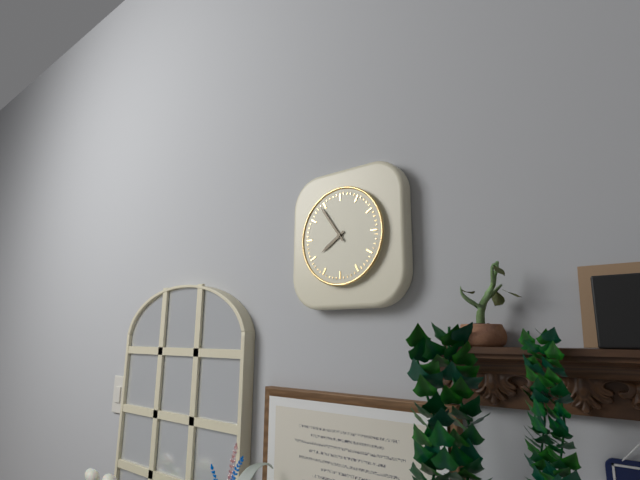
7:54
